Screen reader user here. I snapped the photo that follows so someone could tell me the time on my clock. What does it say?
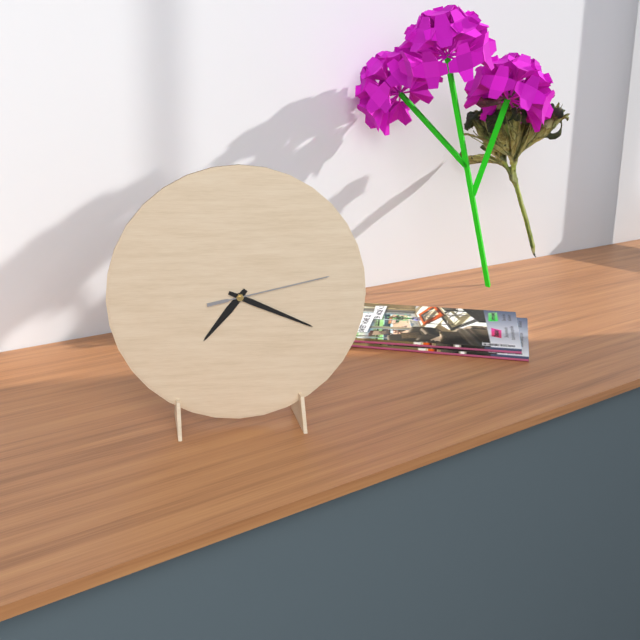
7:19:13
